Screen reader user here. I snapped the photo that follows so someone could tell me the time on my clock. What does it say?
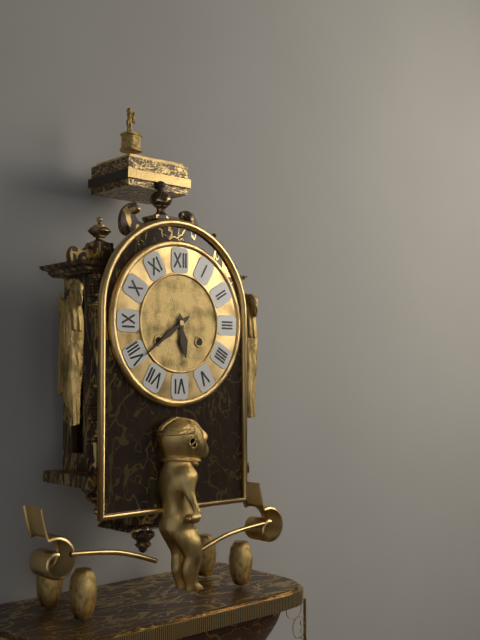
5:39
